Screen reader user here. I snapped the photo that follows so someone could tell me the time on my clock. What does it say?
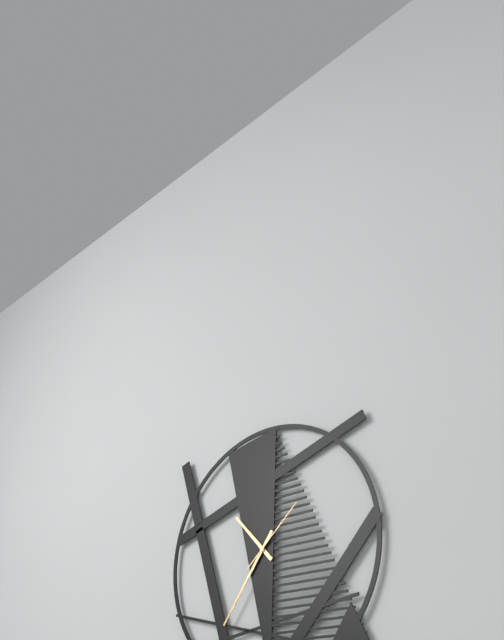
10:36:08
